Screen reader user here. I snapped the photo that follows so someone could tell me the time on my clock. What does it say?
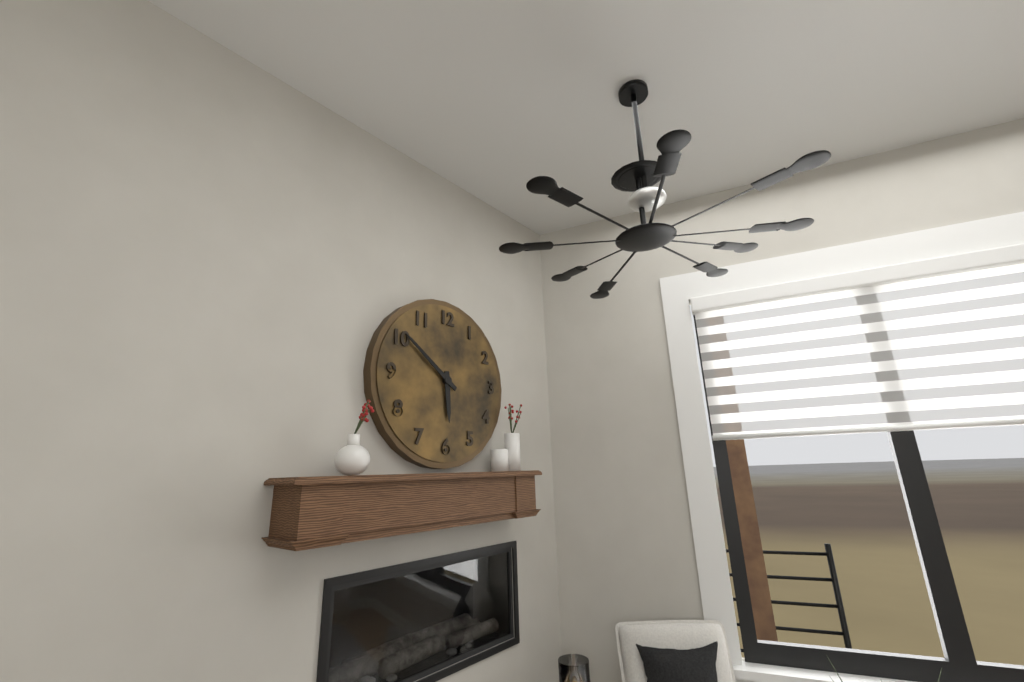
5:51
